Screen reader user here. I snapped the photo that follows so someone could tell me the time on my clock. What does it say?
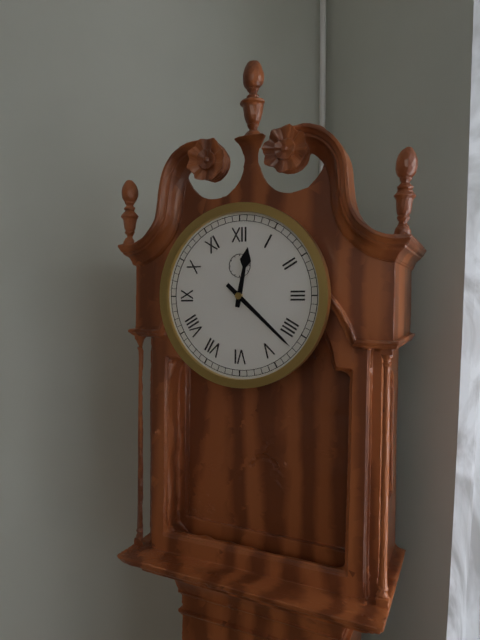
12:22
